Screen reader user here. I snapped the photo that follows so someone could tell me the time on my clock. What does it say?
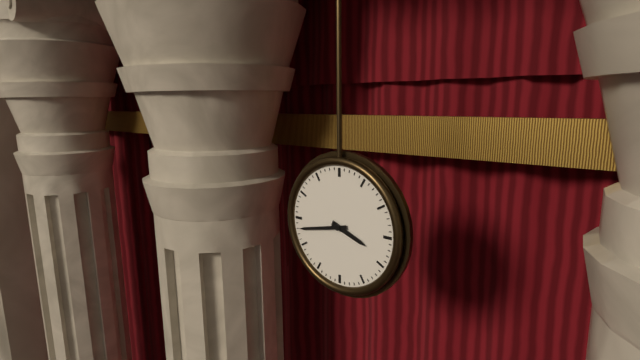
3:43
